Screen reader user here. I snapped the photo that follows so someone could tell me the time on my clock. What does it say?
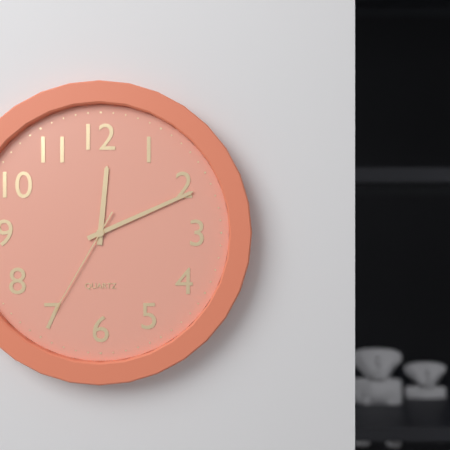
12:11:35
